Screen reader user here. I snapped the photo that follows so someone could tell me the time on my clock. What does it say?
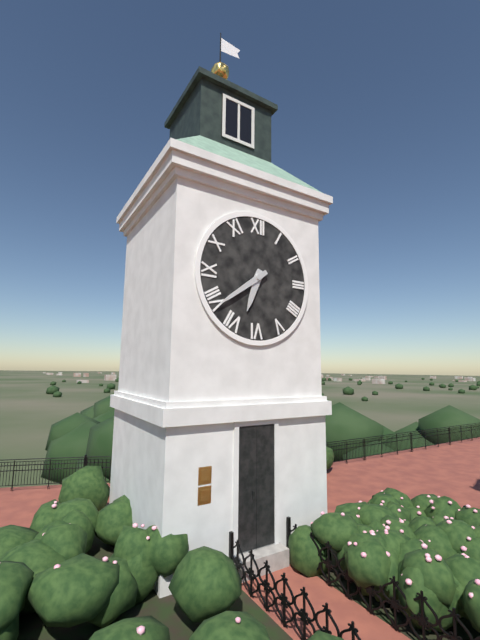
6:39
